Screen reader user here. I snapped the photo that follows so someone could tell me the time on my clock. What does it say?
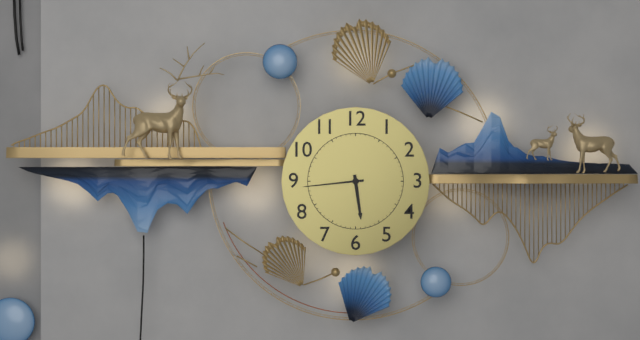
5:44
